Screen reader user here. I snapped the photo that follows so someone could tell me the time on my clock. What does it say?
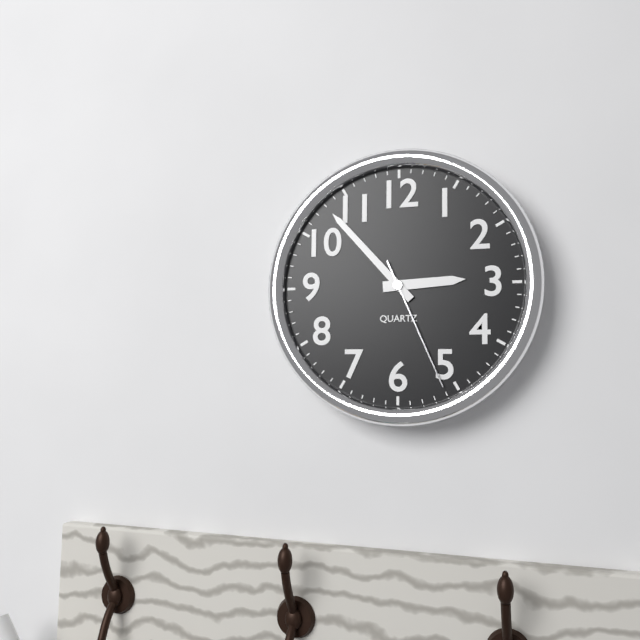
2:53:26
